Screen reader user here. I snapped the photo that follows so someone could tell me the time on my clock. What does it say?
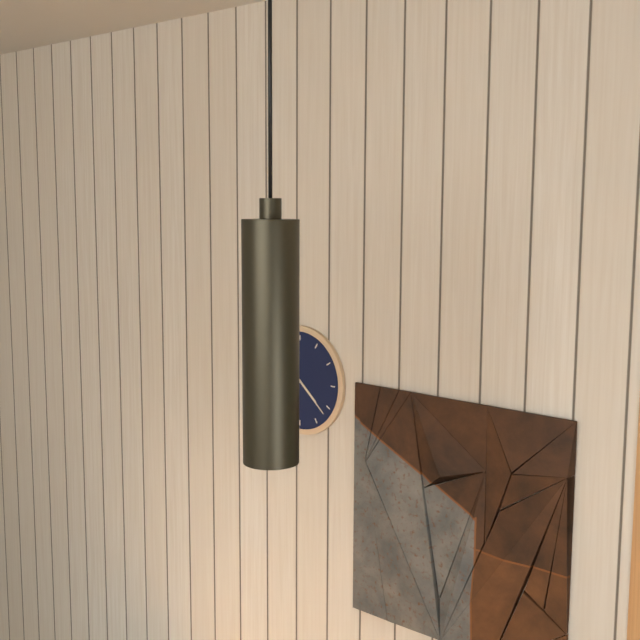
4:22
